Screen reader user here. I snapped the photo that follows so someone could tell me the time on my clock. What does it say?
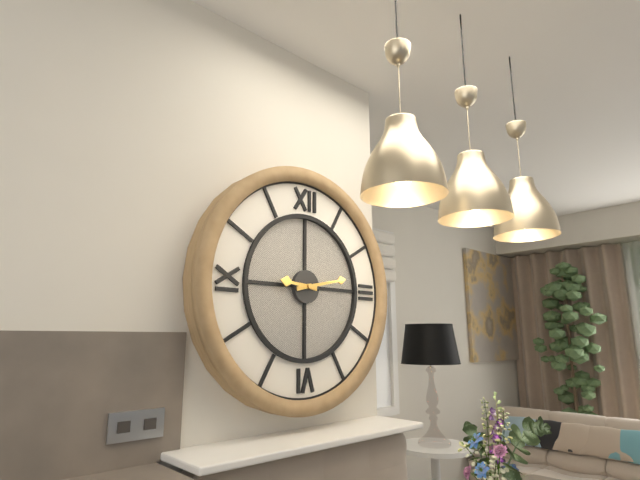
9:13
